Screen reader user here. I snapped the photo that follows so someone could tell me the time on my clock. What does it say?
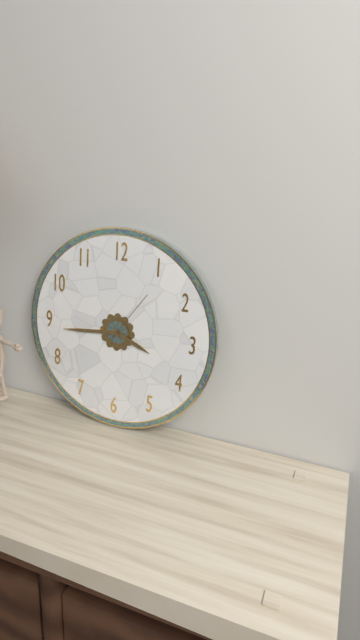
3:44:06
